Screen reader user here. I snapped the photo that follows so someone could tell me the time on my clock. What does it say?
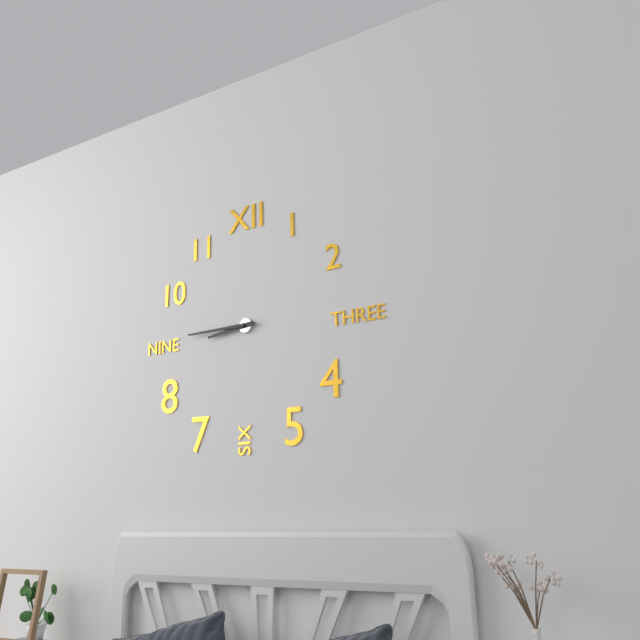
8:45
